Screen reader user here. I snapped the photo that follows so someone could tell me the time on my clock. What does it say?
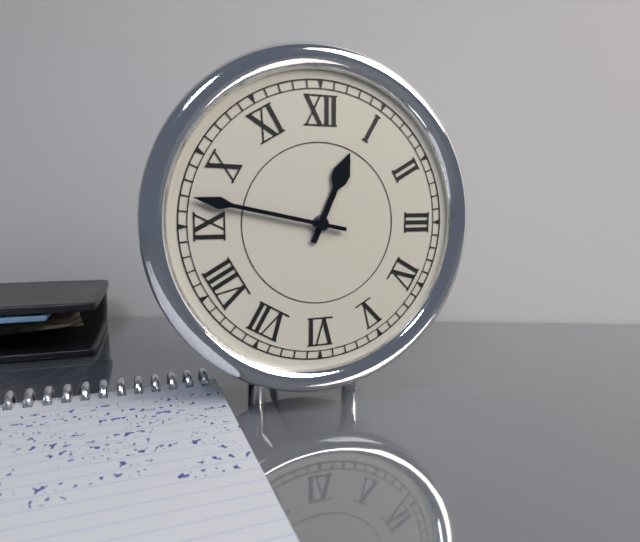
12:47
